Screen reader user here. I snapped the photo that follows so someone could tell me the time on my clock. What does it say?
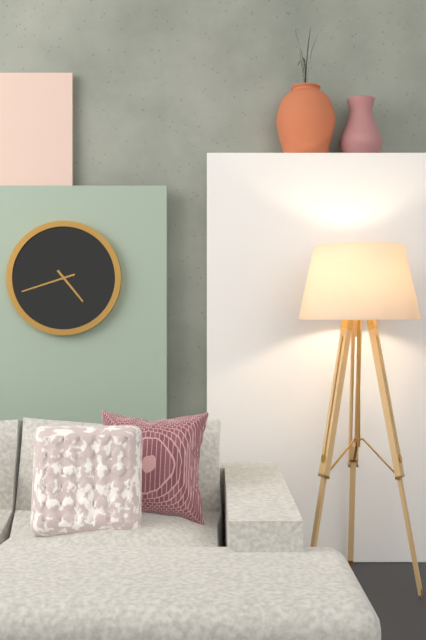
4:42
